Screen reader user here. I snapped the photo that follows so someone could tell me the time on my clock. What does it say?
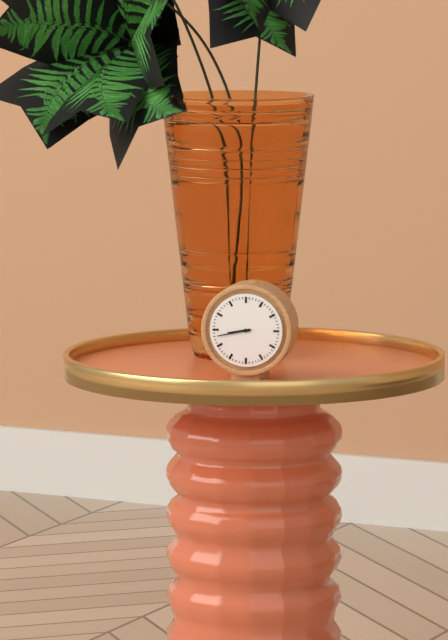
8:43
